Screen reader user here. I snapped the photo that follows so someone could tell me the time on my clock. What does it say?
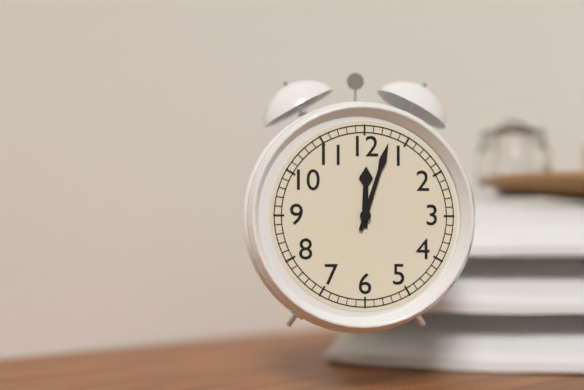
12:03
